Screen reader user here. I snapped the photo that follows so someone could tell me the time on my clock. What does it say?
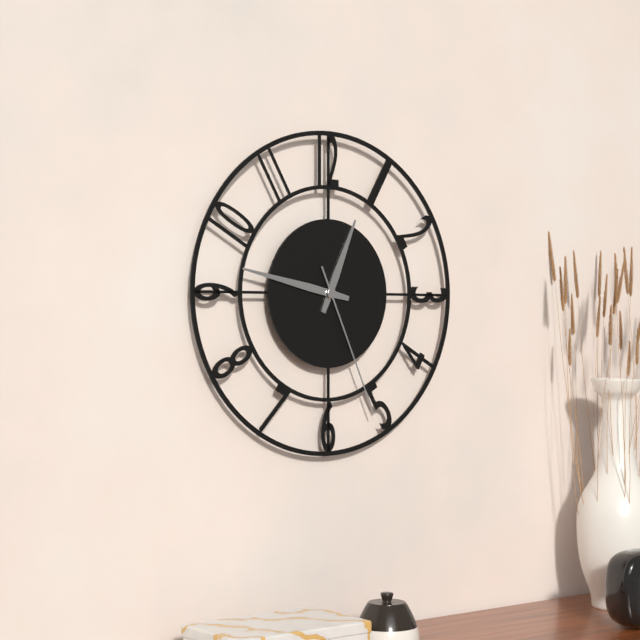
12:47:26
